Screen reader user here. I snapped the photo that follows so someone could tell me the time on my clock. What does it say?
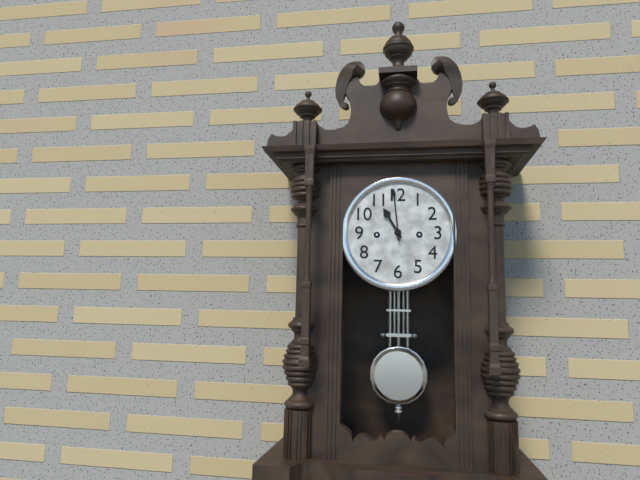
10:59
